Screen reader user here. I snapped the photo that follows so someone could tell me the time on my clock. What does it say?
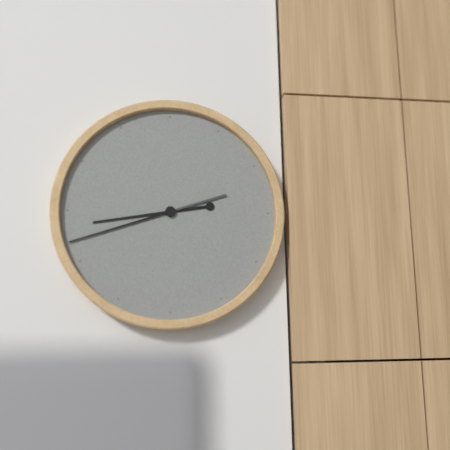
8:42
